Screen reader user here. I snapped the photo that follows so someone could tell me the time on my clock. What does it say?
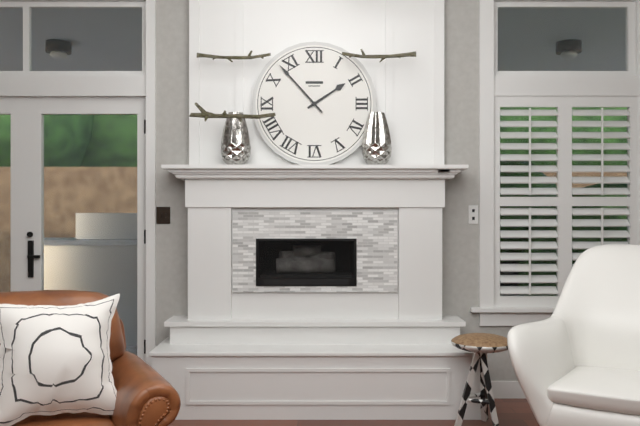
1:53
